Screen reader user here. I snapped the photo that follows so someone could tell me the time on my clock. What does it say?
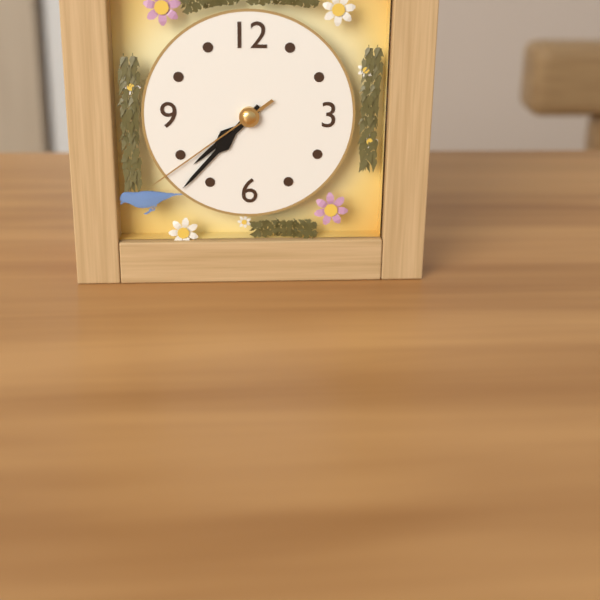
7:37:39
